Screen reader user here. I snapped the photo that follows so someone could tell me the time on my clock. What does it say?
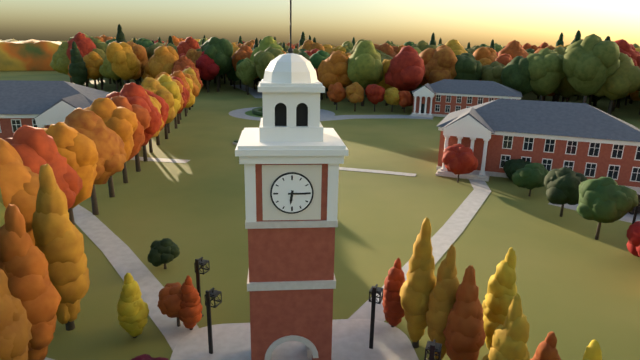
6:15
